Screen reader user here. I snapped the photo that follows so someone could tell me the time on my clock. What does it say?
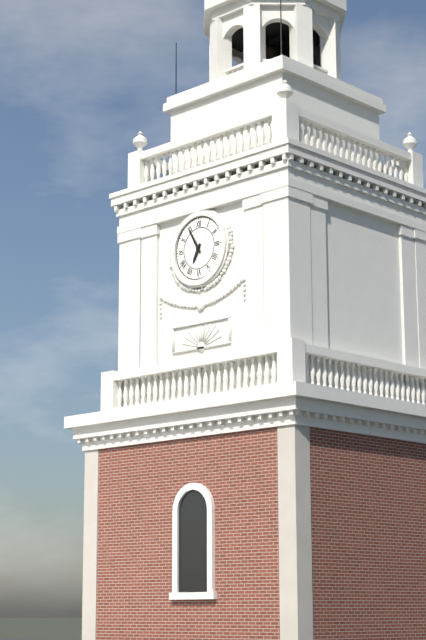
6:55
